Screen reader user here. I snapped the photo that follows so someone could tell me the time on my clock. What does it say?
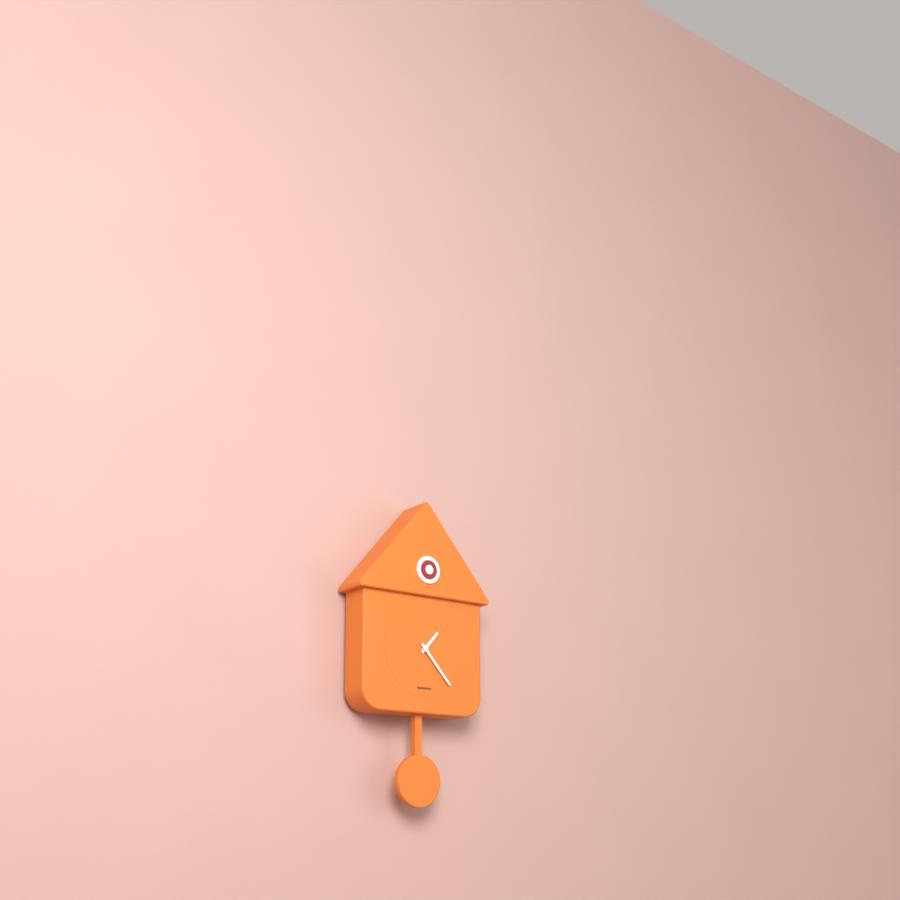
1:23
